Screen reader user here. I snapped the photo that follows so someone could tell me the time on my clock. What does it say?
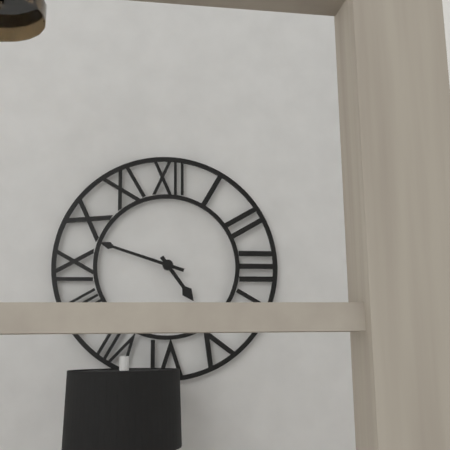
4:48
